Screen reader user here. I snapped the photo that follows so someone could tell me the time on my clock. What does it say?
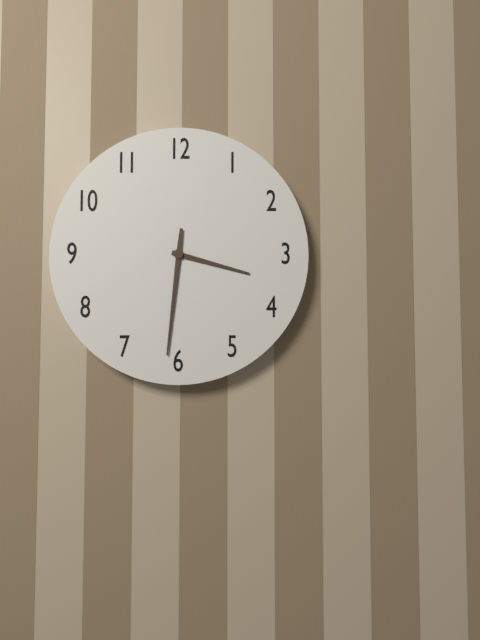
3:31
